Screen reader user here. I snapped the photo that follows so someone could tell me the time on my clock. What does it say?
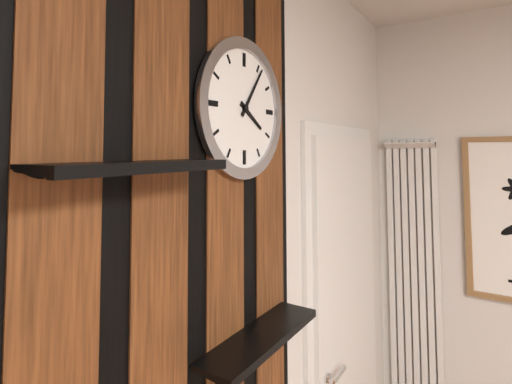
4:06
